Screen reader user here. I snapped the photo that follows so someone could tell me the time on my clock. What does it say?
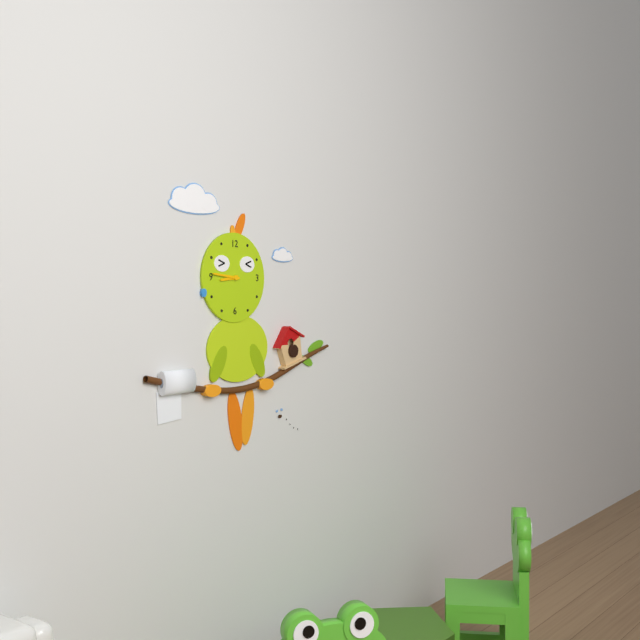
8:46
